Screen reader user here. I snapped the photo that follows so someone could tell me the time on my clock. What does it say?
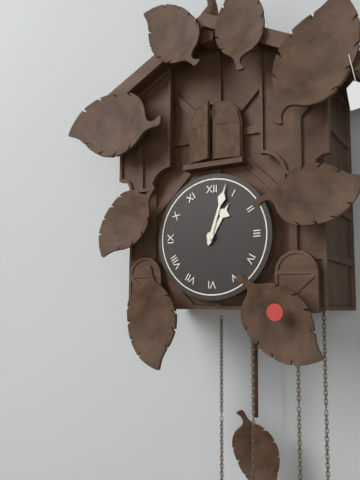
1:03
